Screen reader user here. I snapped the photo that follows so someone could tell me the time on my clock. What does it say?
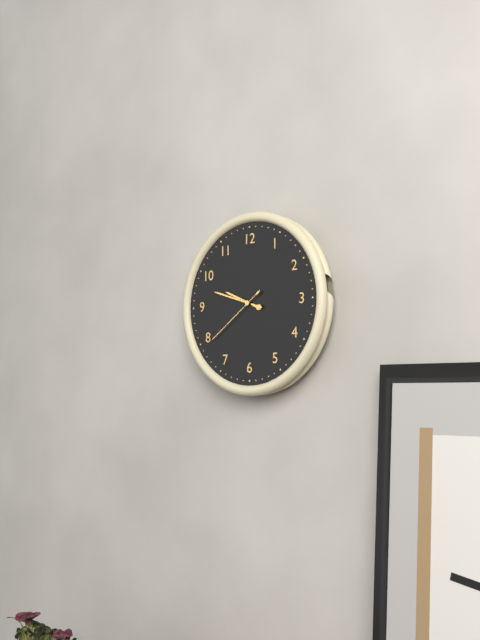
9:48:39
